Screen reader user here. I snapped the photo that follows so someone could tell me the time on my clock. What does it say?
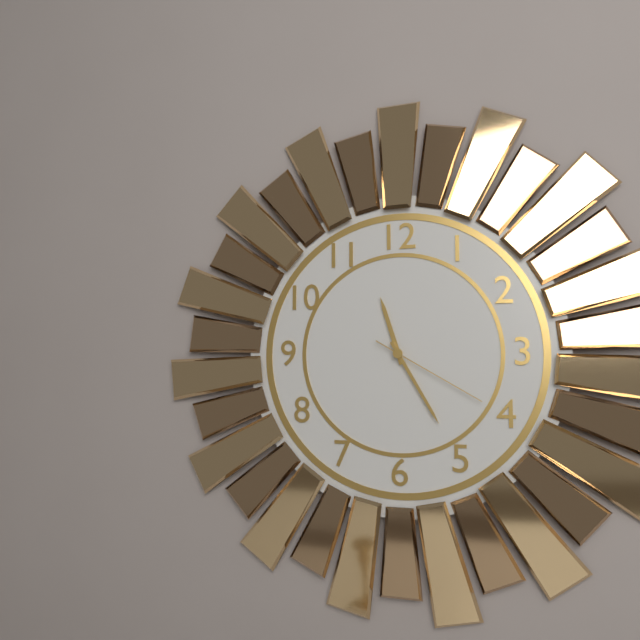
11:25:20
